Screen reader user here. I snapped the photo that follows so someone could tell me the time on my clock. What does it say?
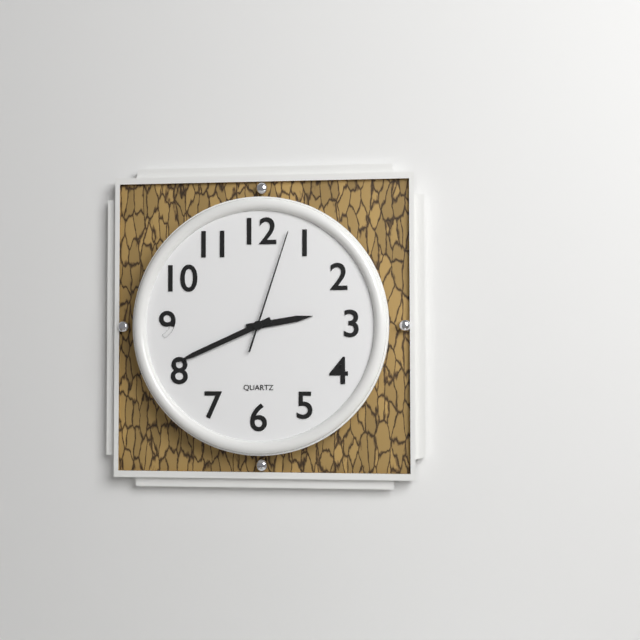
2:41:03
